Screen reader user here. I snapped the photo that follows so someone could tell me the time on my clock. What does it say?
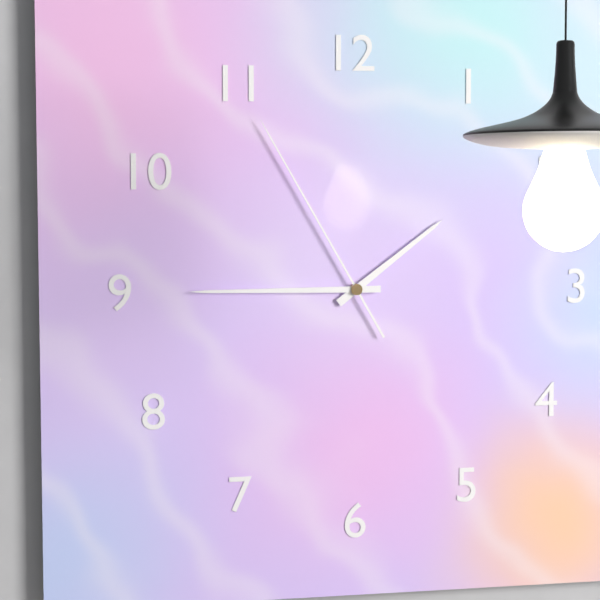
1:45:55
